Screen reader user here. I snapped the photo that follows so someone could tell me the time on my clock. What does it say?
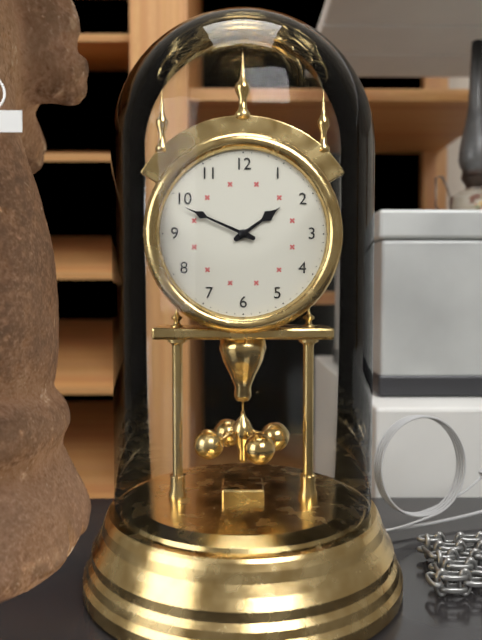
1:49
